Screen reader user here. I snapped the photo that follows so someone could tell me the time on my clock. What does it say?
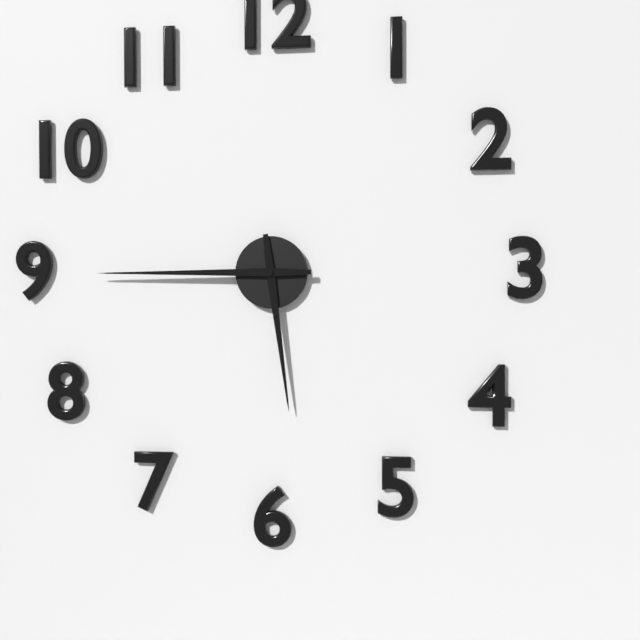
5:45
